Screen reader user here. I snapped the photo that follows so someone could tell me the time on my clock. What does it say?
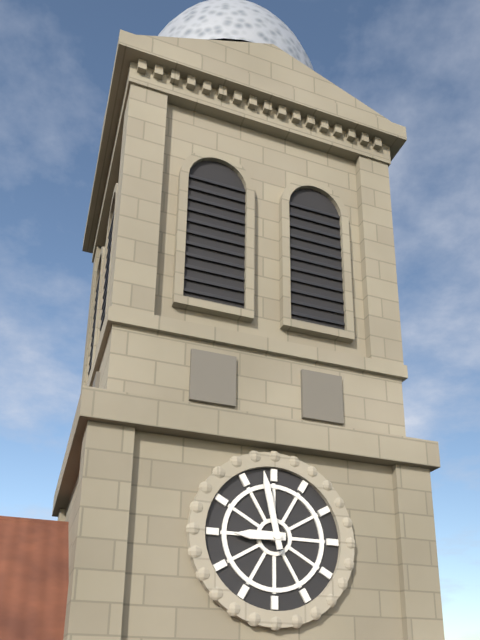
8:58
